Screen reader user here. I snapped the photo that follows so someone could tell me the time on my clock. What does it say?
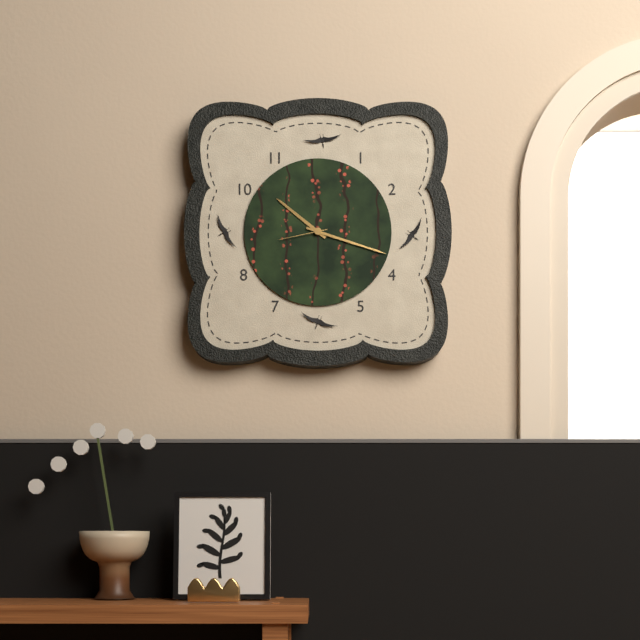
10:18:43
